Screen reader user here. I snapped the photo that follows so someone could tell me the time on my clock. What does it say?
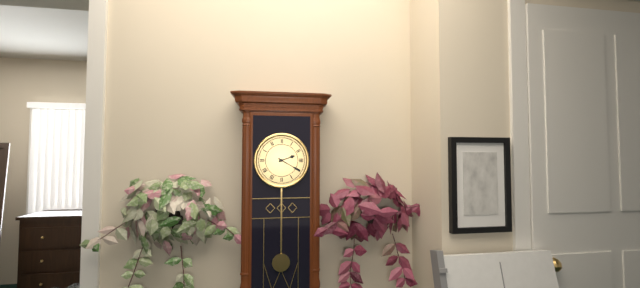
2:20
